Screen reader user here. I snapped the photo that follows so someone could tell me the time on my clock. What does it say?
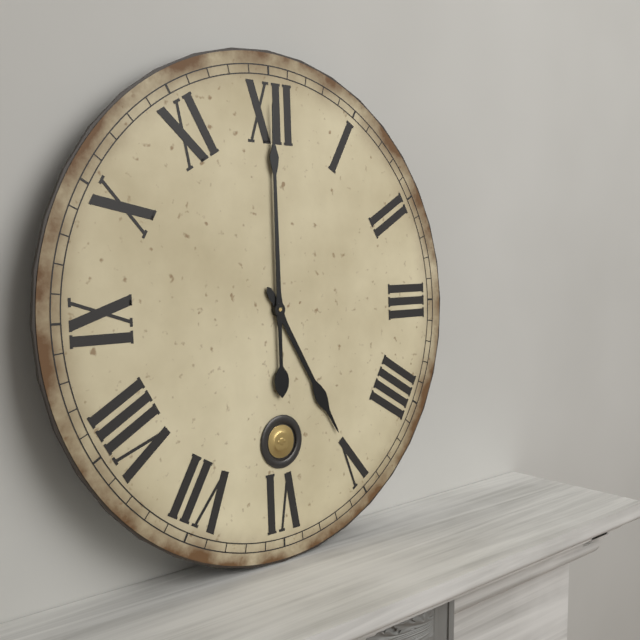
5:00
